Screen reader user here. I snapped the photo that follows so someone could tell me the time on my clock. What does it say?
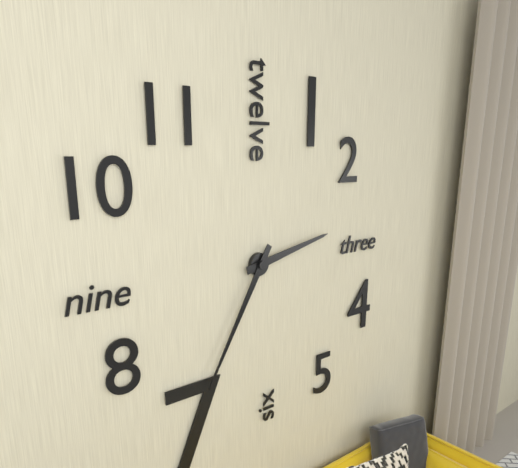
2:35
